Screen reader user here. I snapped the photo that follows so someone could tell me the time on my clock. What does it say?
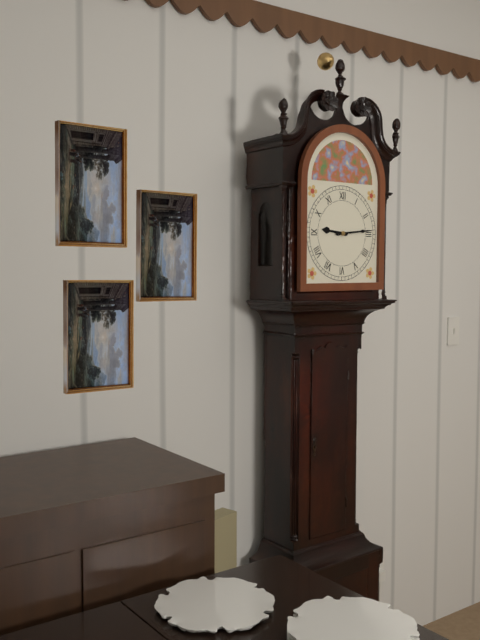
9:14
